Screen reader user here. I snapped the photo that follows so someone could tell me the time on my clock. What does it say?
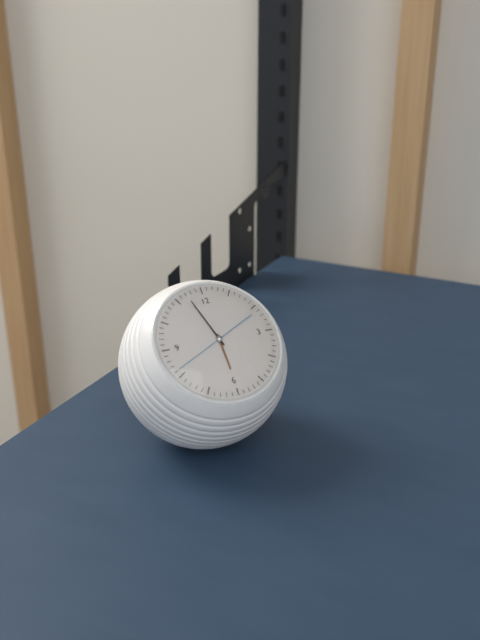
5:57:41
